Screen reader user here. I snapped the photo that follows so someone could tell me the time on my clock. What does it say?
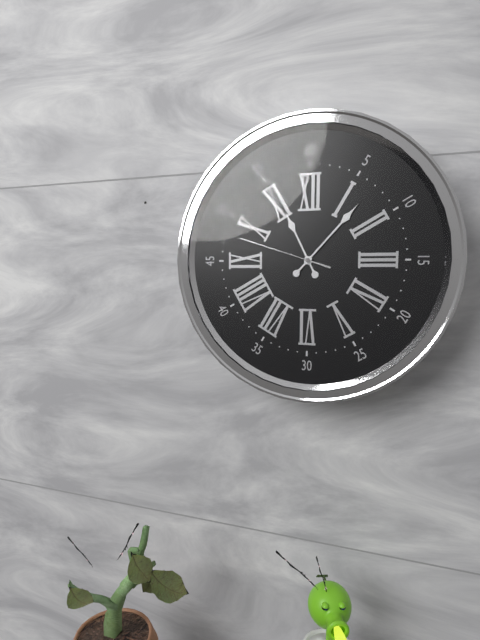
11:07:48
